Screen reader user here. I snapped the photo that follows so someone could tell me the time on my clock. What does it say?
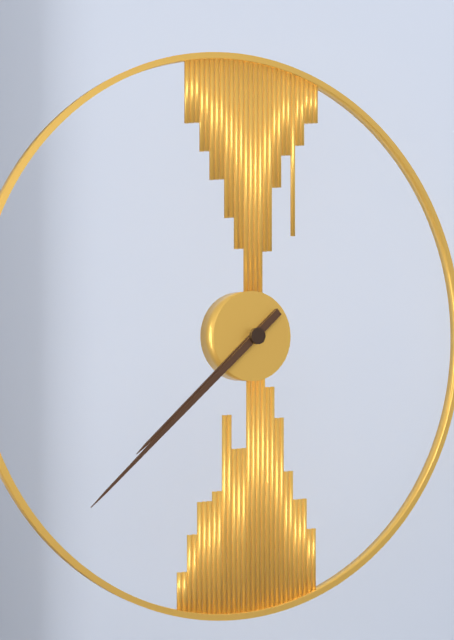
7:38
